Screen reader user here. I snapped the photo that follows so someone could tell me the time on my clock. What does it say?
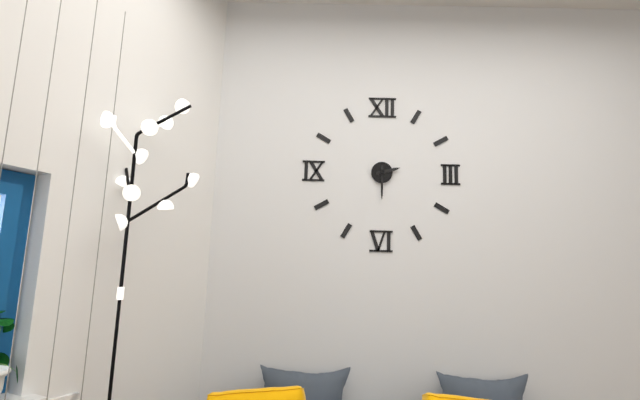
2:30
